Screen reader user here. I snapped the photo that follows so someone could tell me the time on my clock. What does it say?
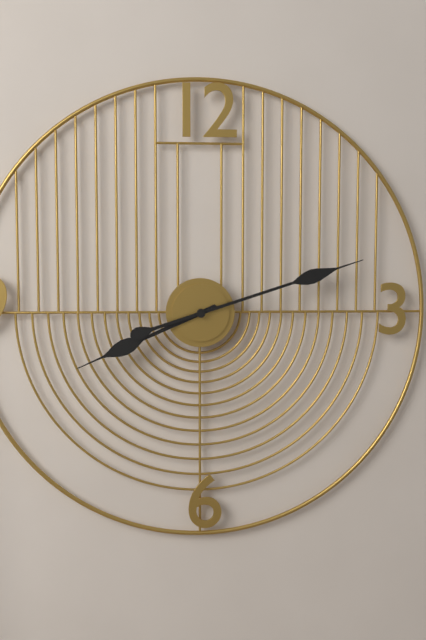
8:12
